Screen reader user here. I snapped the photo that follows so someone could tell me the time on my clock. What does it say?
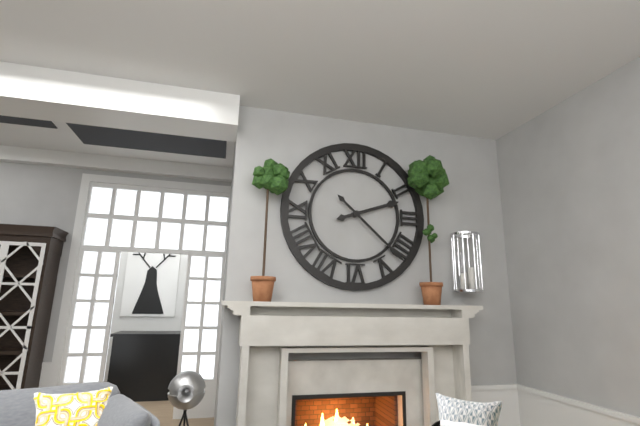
2:22
